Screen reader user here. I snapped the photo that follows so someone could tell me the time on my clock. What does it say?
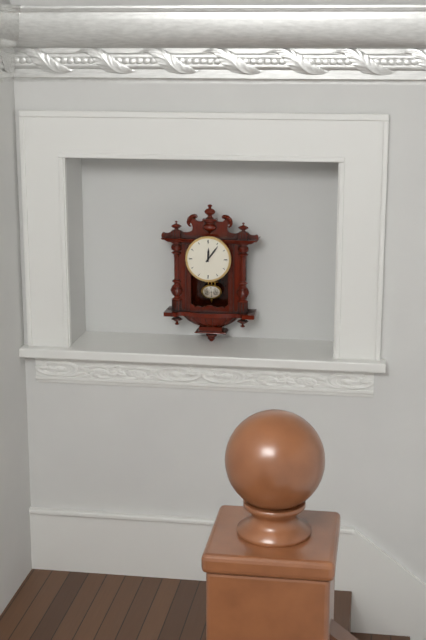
12:06
